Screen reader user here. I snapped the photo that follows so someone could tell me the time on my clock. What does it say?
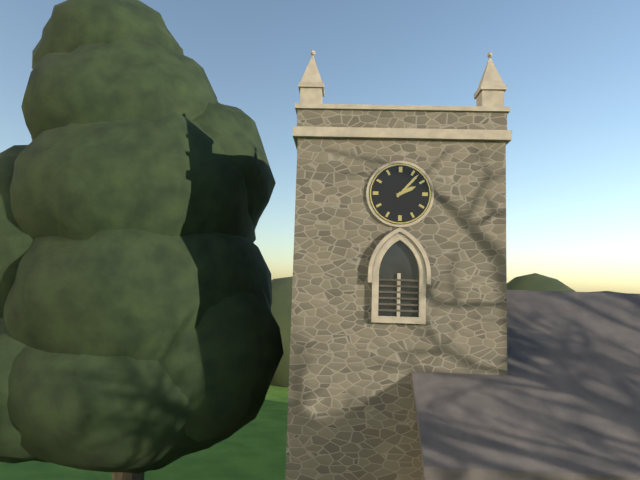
2:07
